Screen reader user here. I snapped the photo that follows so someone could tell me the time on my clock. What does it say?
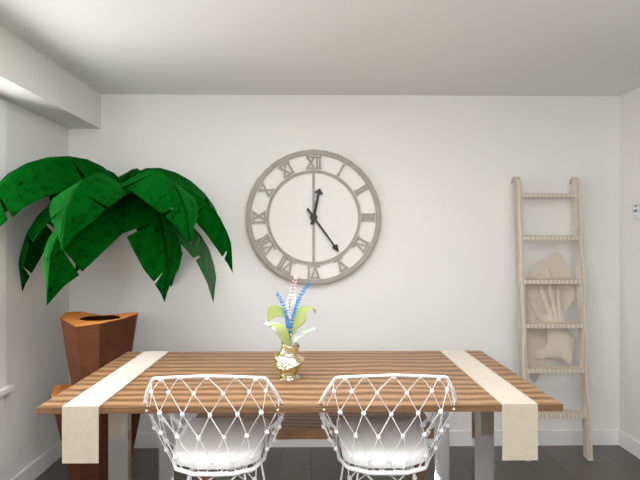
12:24
